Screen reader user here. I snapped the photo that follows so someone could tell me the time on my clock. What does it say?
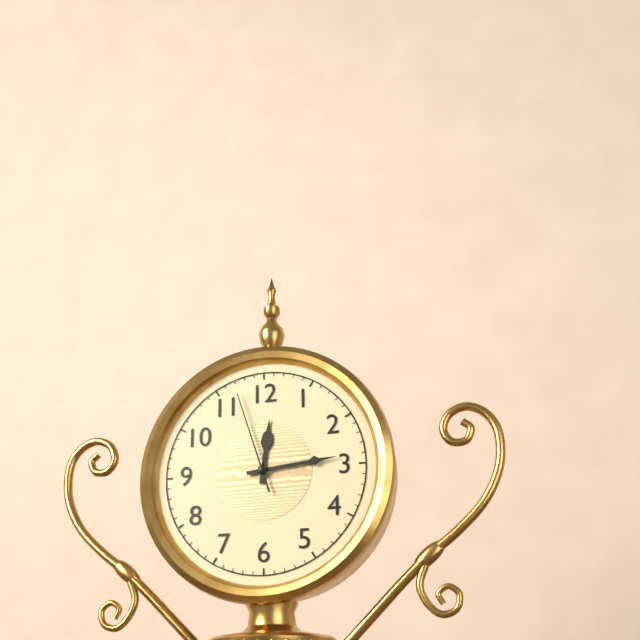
12:14:57
